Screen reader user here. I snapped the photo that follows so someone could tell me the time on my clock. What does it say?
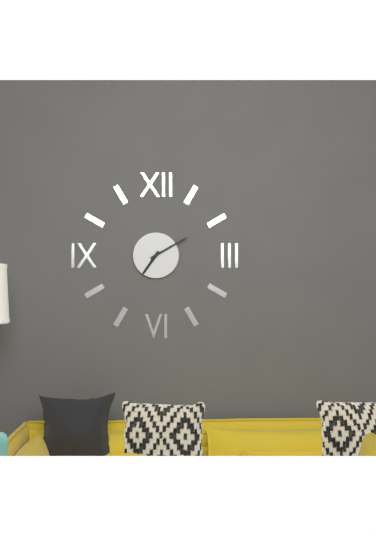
7:10
